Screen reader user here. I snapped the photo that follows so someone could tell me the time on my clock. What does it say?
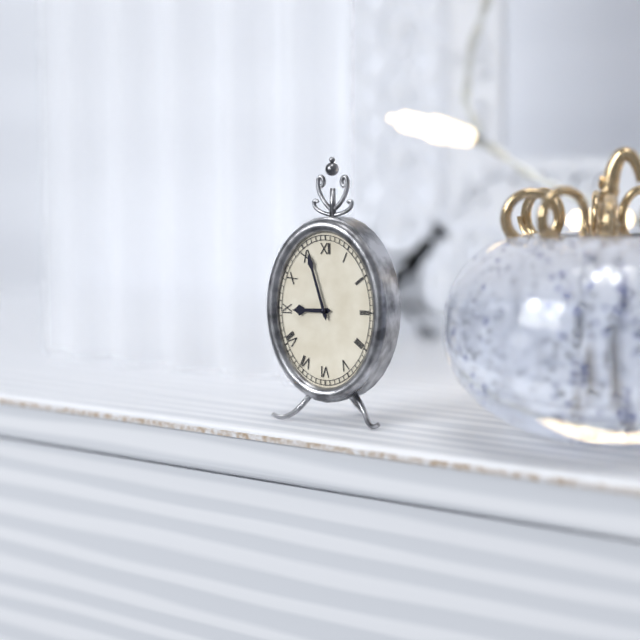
8:57
